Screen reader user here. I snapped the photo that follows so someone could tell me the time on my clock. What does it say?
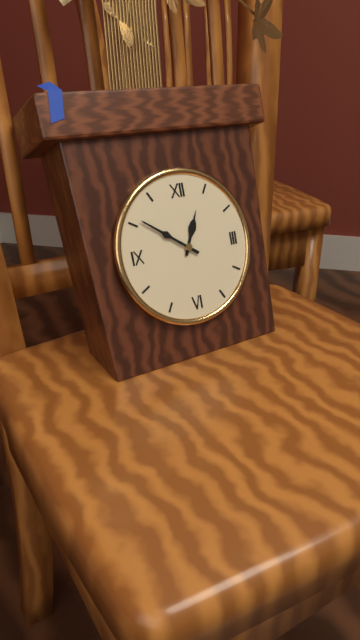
12:51
